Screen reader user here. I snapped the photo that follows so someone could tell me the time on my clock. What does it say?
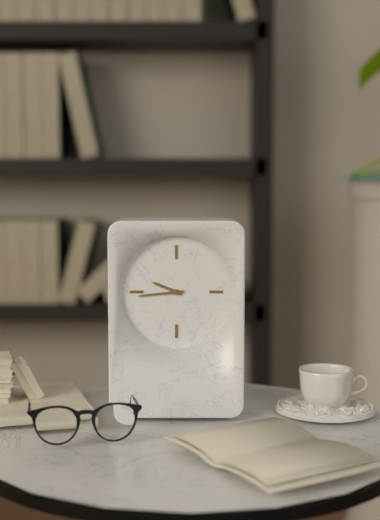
9:44
